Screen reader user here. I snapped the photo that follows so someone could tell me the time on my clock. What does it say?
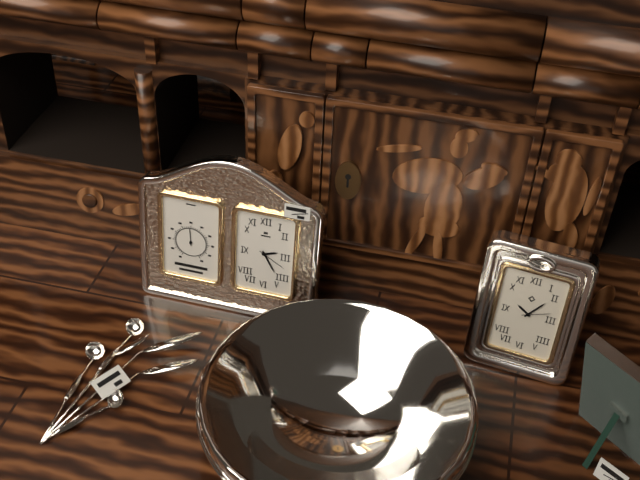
2:25
